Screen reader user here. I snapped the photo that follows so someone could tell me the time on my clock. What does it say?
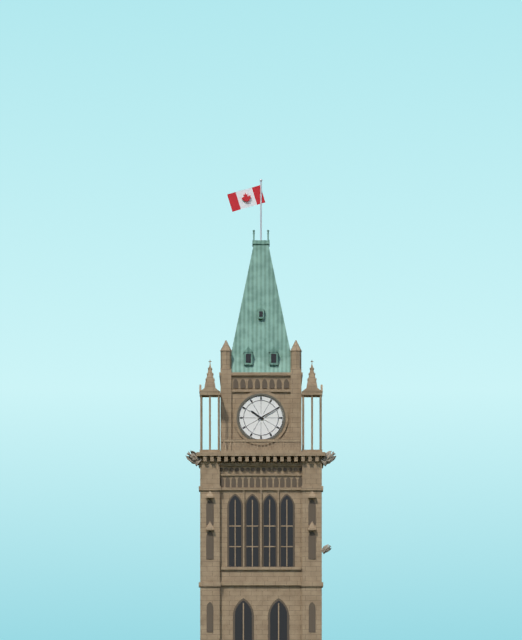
10:10
